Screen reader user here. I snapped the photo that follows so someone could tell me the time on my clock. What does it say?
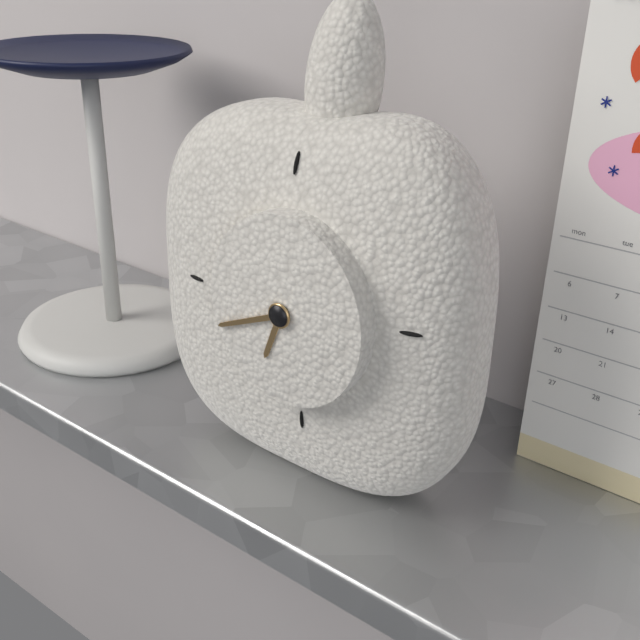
6:41
